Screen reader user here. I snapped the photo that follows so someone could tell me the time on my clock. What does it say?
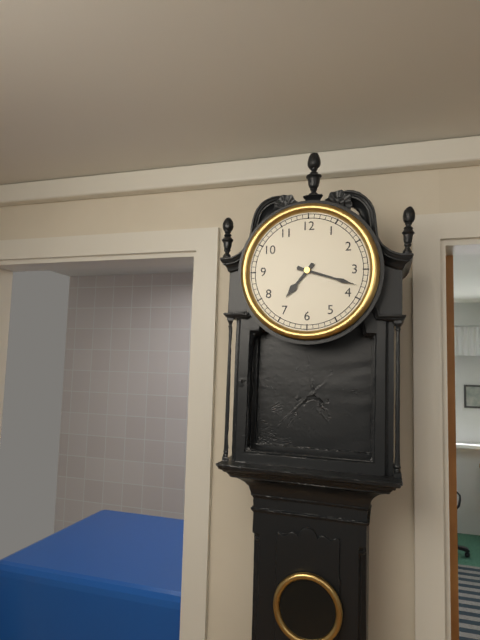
7:18
